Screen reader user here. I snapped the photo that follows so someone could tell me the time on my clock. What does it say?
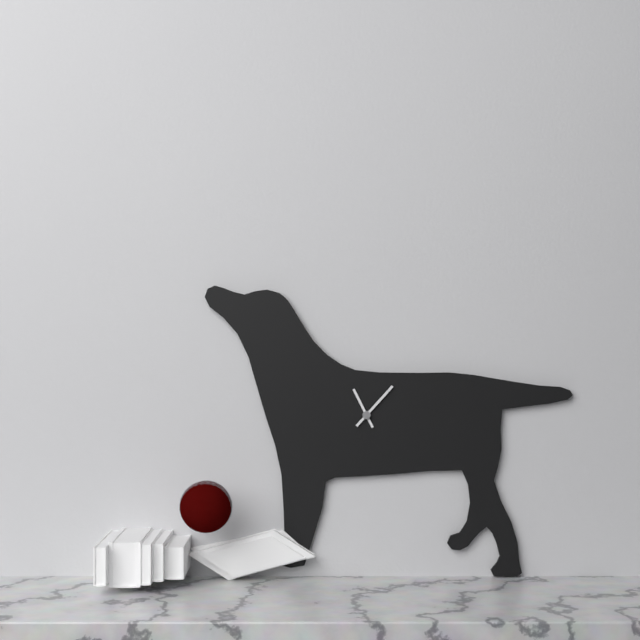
11:07
